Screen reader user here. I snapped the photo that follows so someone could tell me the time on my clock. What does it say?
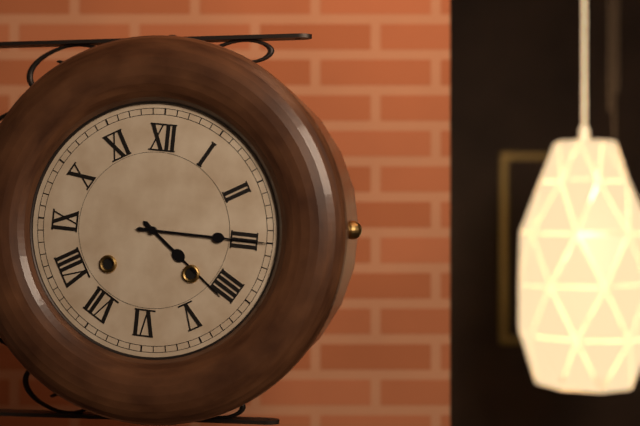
4:15
